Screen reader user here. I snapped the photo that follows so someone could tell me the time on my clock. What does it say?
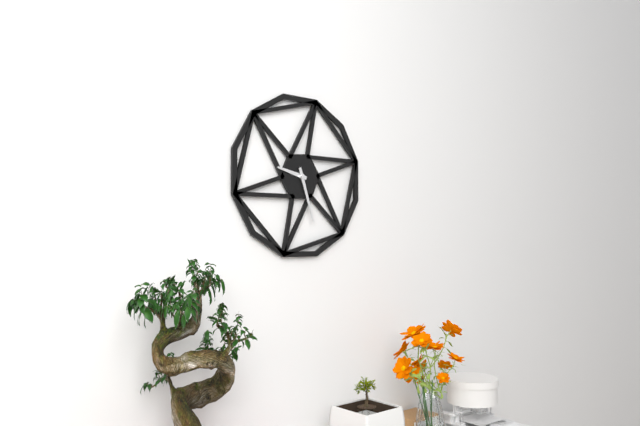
9:27
